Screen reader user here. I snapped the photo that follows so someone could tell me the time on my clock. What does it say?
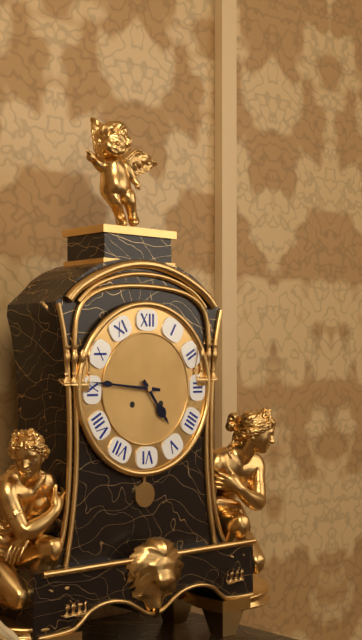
4:46
